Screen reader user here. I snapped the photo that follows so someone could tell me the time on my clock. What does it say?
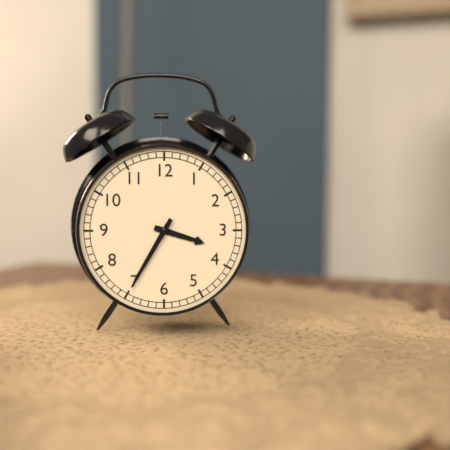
3:35
